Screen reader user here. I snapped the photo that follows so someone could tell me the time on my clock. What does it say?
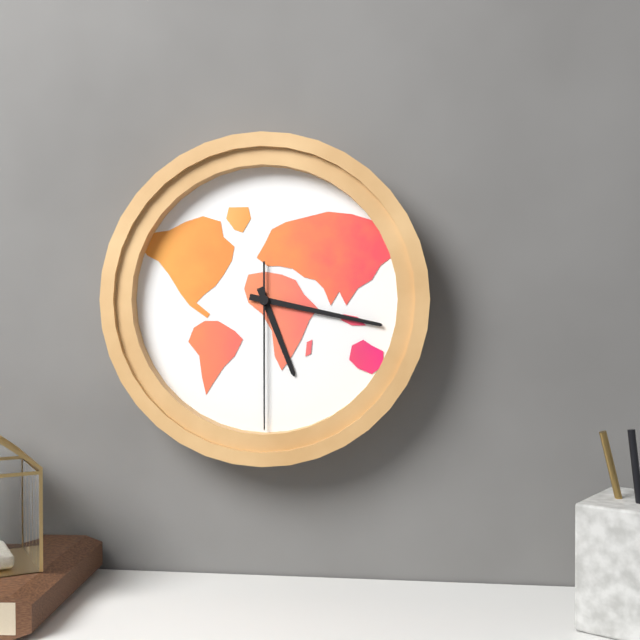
5:17:30
